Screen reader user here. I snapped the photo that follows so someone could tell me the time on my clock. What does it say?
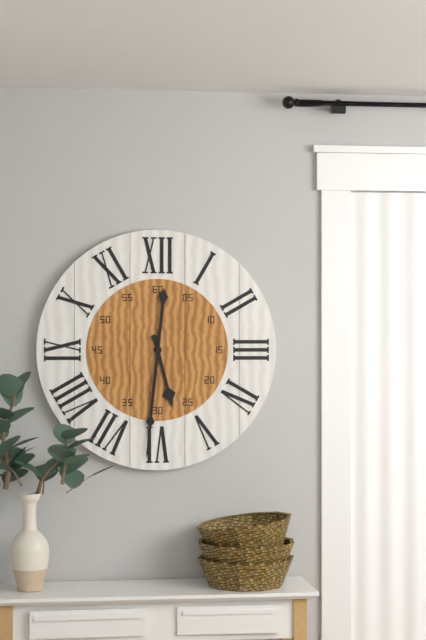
5:31
